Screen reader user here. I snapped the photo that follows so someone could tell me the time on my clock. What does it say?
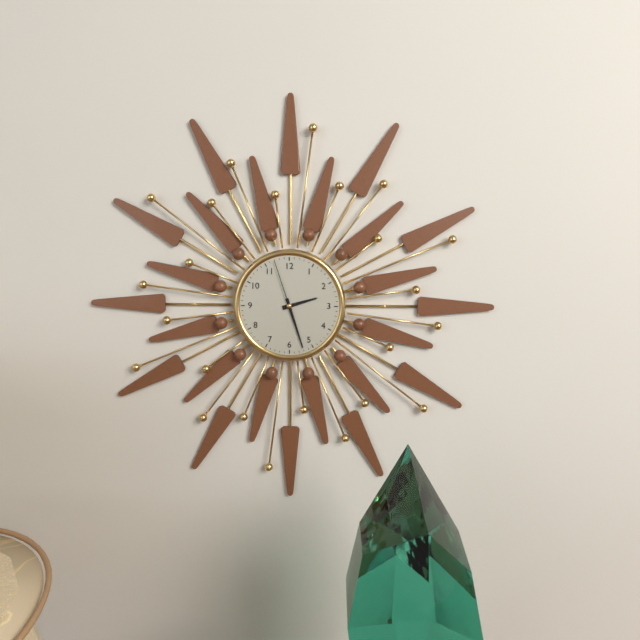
2:27:57
